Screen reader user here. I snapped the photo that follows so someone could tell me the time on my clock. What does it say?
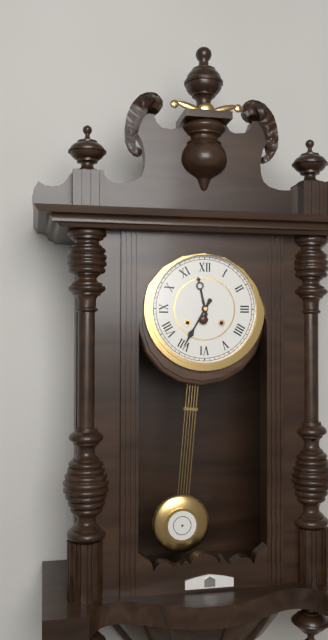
11:35
